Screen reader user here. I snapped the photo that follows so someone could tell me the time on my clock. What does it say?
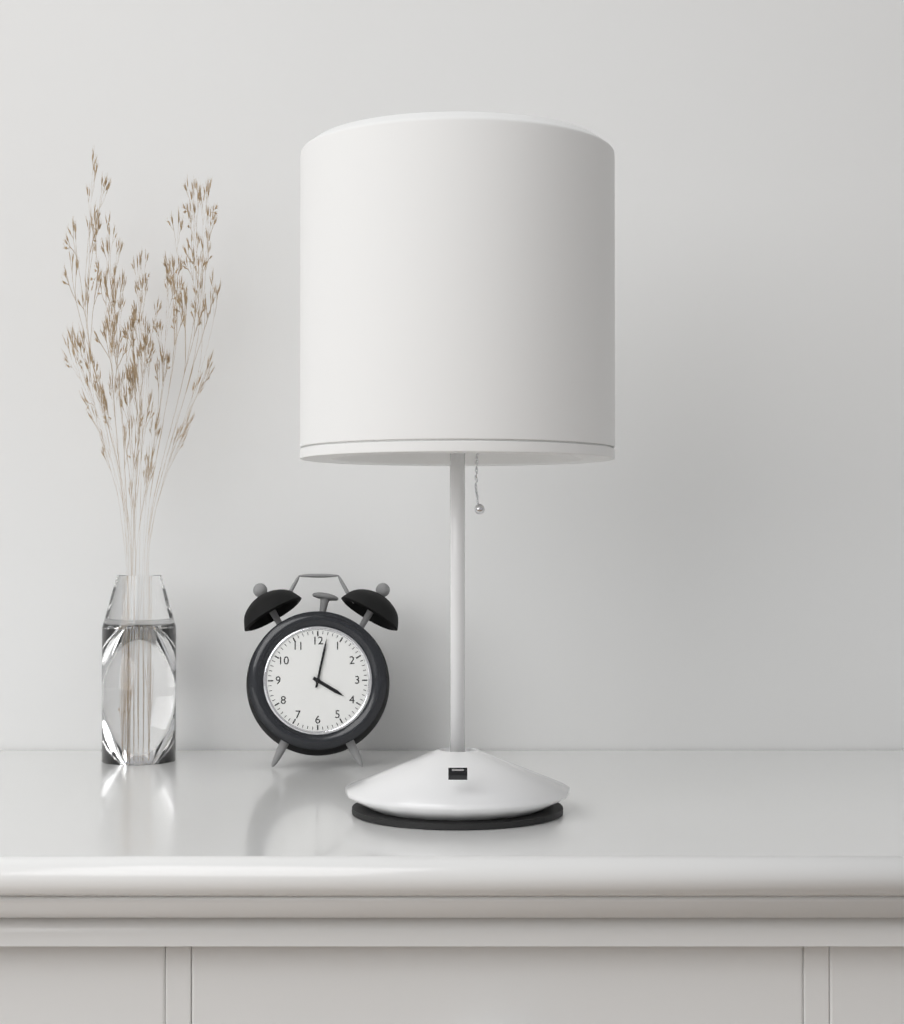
4:02
